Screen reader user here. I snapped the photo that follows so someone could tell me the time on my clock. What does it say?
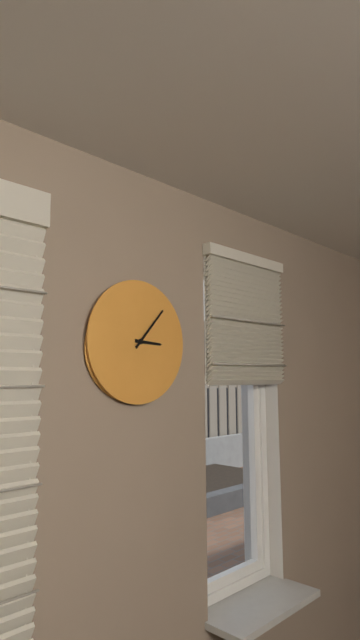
3:07
